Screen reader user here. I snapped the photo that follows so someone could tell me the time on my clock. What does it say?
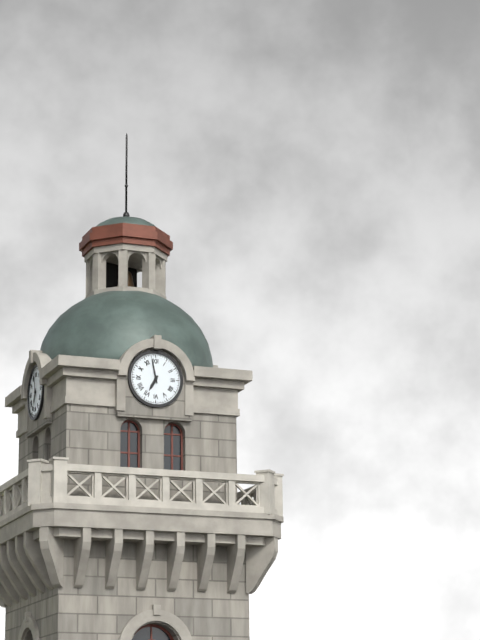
6:58
